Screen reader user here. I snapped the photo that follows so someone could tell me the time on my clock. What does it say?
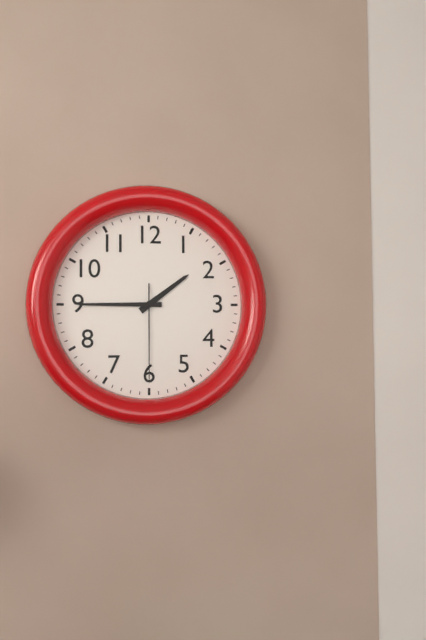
1:45:30
